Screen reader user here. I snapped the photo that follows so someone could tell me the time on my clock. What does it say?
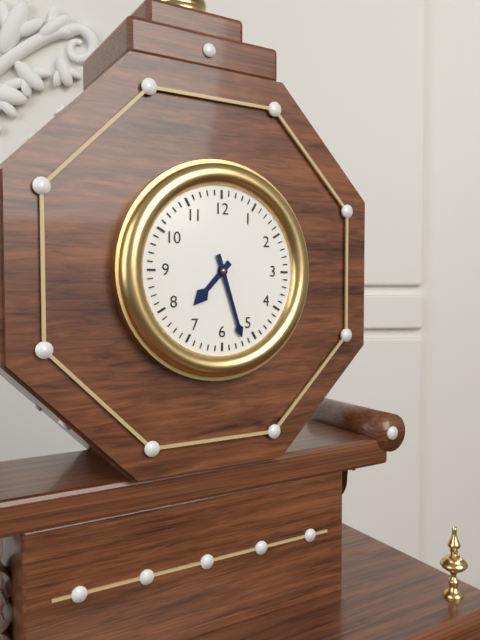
7:27
